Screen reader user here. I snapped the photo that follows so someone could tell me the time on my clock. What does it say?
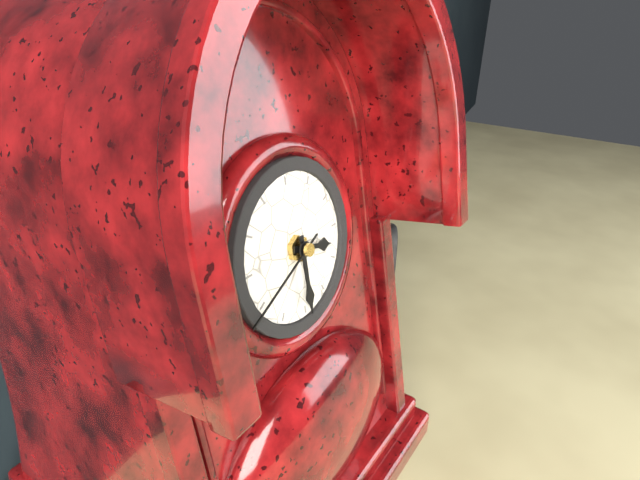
3:30:41
